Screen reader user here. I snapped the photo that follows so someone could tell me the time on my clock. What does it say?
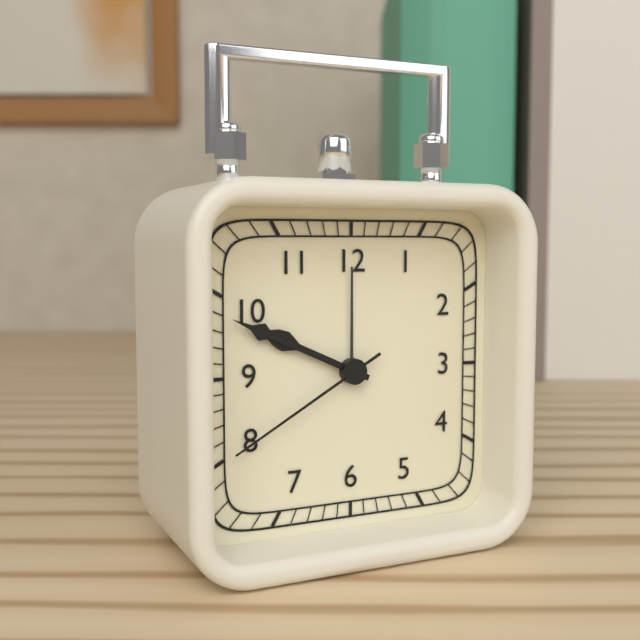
9:49:40
